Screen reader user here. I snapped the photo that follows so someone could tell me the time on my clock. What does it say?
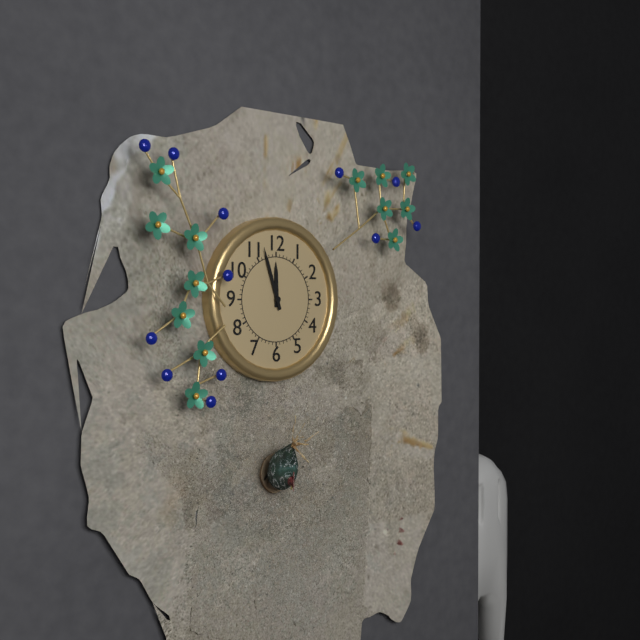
11:57
